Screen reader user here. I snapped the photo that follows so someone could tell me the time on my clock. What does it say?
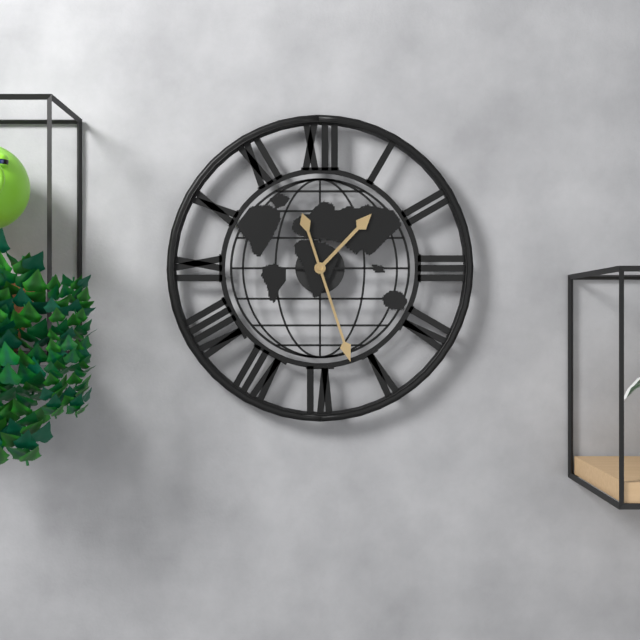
1:27
